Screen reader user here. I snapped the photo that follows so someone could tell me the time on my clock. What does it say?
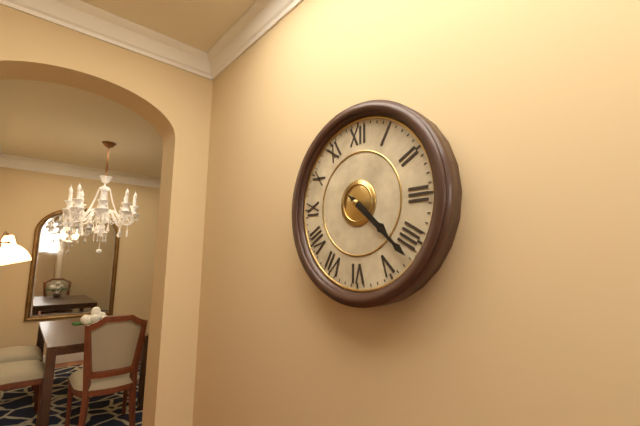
4:22
